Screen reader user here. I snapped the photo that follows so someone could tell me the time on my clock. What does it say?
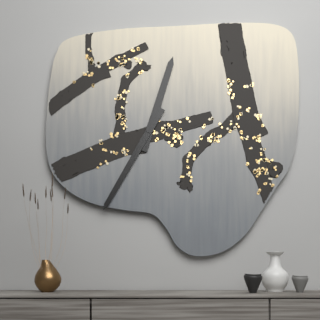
12:35
